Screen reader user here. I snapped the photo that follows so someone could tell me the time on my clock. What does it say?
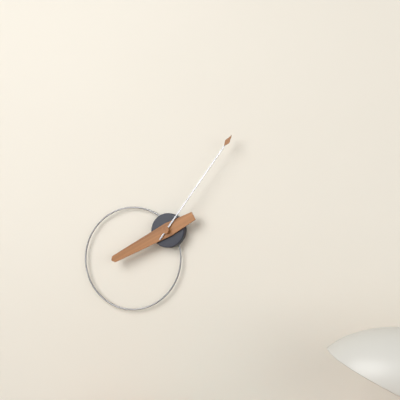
8:06
